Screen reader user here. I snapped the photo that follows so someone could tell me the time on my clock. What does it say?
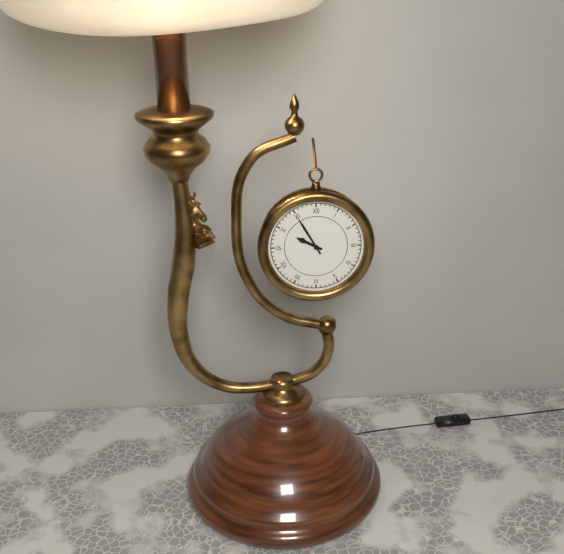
9:55
